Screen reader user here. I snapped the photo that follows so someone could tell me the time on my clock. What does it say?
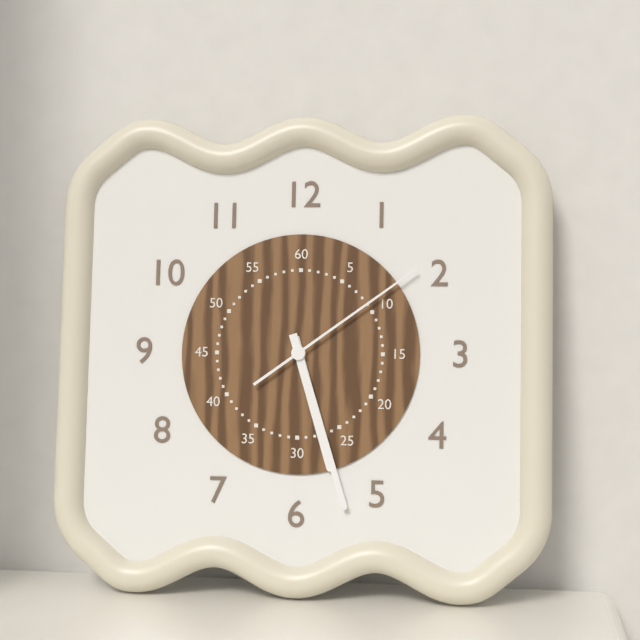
5:27:09
